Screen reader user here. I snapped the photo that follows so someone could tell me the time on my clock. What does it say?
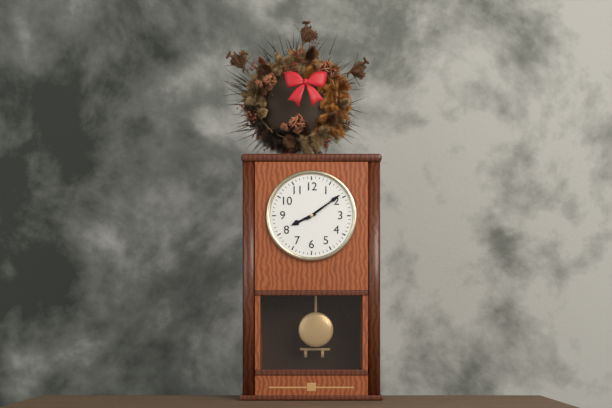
8:09
